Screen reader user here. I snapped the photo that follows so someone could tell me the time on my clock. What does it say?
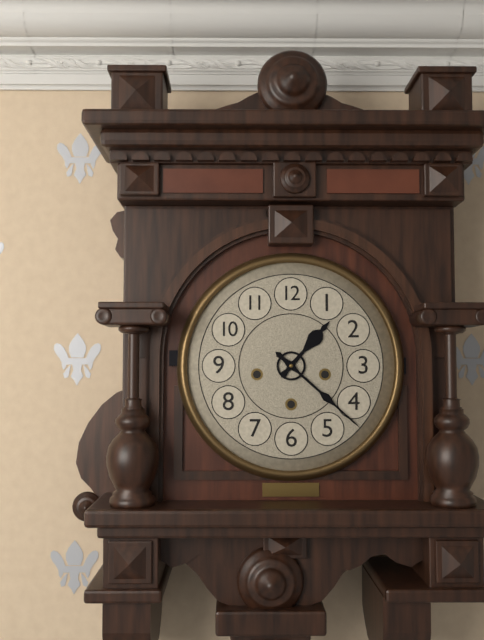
1:22
